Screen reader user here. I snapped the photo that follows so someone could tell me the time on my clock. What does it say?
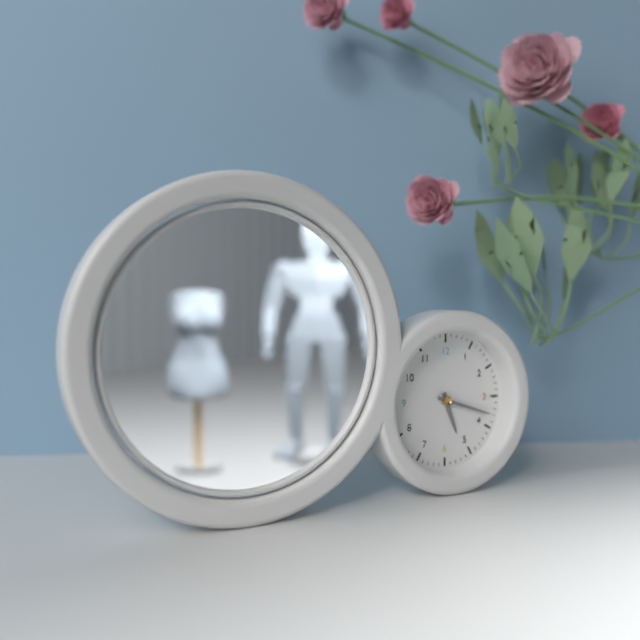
5:18
